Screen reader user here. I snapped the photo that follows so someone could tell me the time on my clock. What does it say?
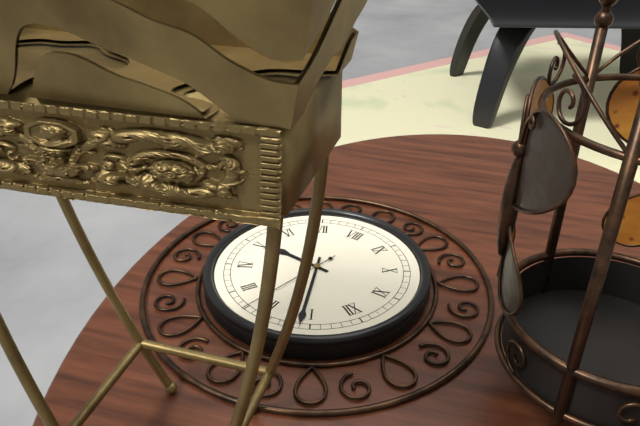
5:06:12
